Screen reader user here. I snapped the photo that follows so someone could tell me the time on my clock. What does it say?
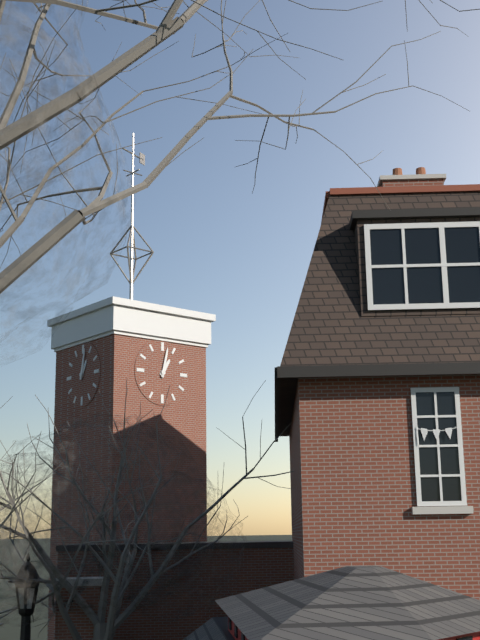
1:02
